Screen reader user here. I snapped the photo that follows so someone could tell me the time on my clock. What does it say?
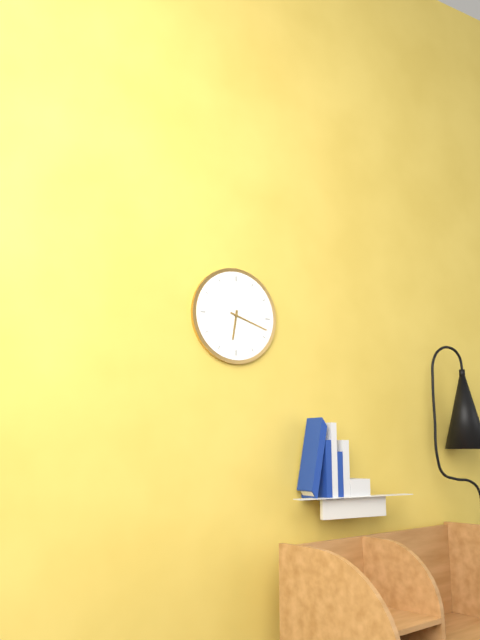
6:18
